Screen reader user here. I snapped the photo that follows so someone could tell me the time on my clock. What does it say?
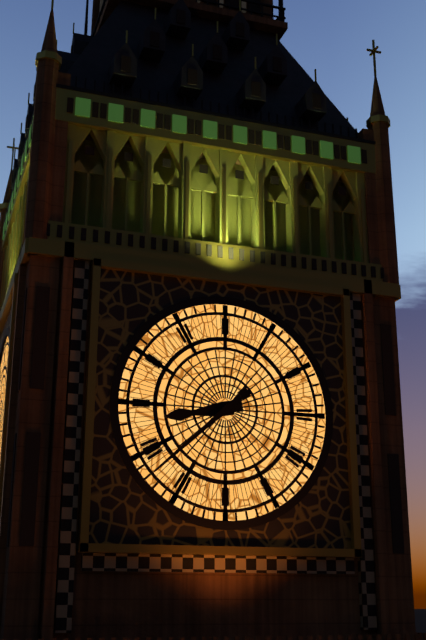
8:38
